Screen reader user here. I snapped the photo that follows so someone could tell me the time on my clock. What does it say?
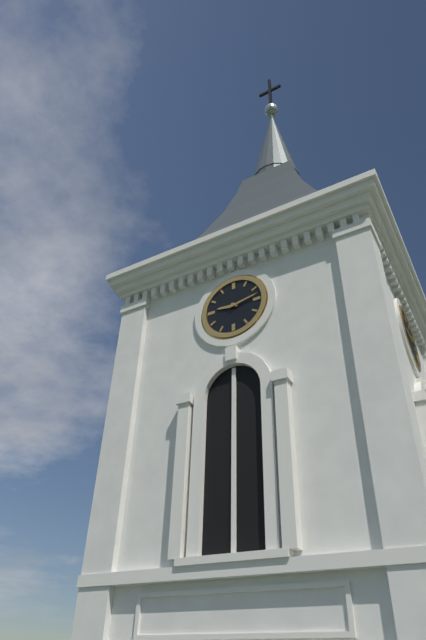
9:13
